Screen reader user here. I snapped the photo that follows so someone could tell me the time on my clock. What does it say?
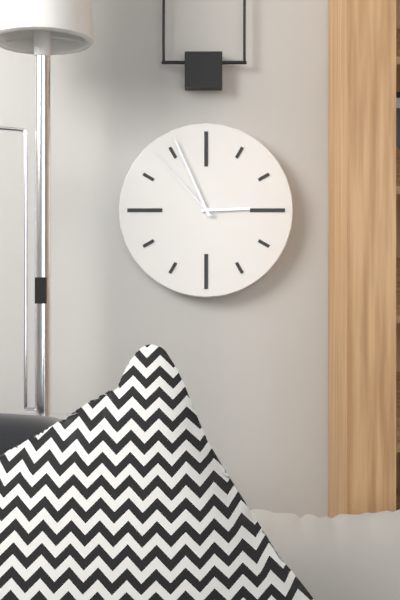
2:56:53
